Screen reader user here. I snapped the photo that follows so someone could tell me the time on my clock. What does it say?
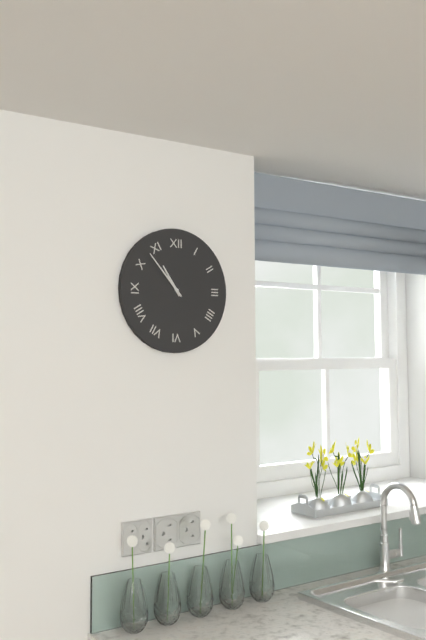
10:53
